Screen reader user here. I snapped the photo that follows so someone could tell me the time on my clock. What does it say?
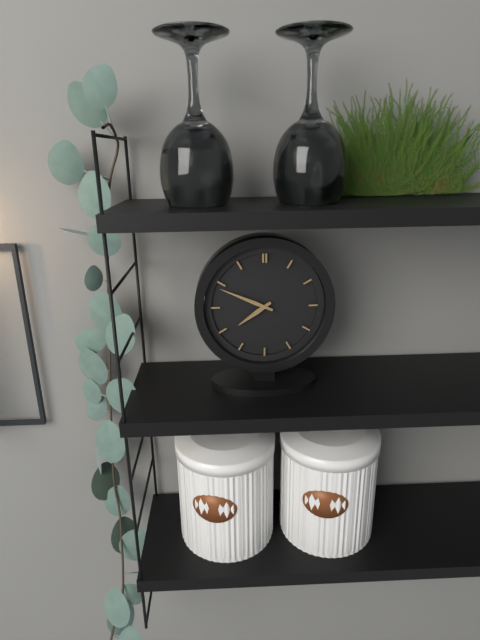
7:49
